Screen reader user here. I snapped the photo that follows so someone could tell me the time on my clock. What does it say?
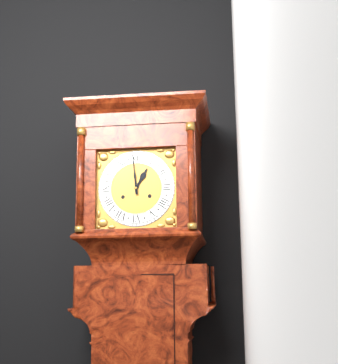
12:59
